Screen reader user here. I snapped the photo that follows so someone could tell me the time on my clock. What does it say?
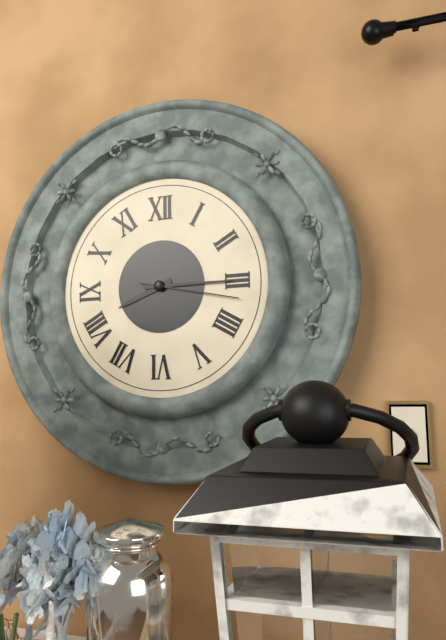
8:15:17
